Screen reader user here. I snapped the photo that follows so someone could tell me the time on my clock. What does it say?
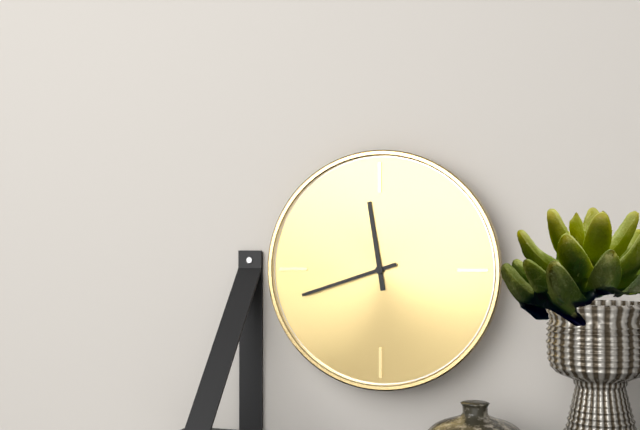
11:42
